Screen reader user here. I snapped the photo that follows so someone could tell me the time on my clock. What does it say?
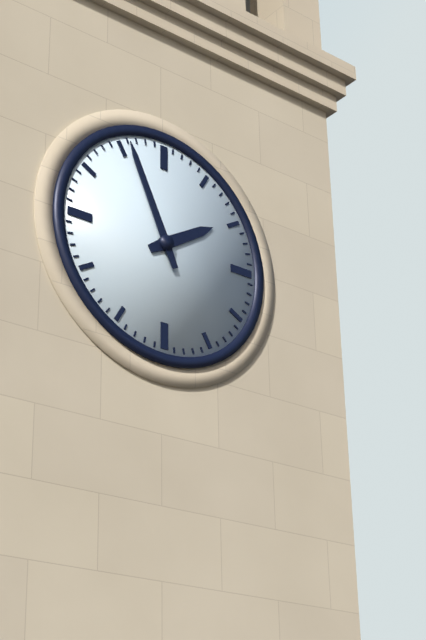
1:56
